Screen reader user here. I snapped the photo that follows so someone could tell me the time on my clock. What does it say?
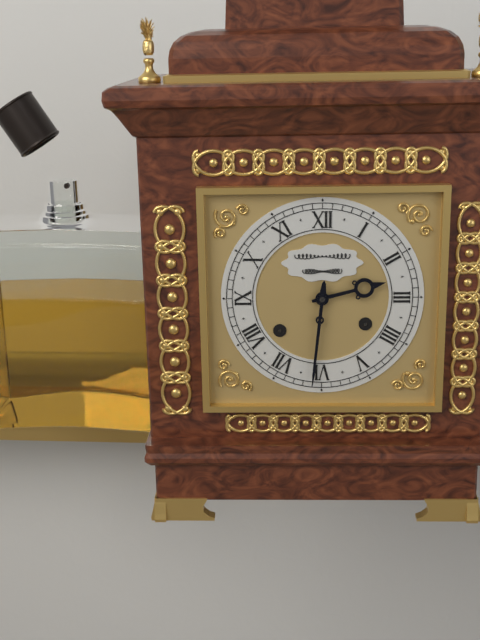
2:31
